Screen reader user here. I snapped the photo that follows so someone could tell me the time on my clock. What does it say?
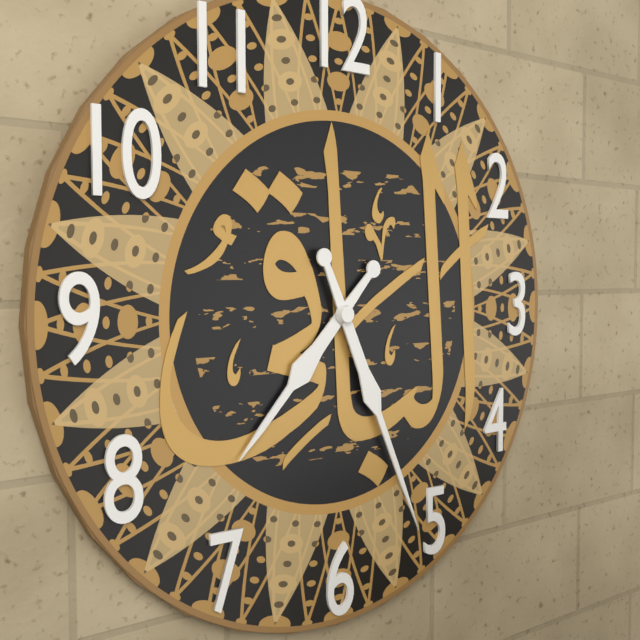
7:26
